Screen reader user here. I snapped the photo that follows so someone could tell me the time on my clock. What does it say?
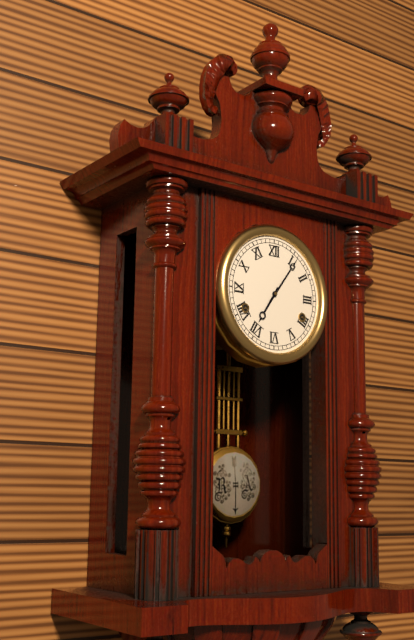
7:06
